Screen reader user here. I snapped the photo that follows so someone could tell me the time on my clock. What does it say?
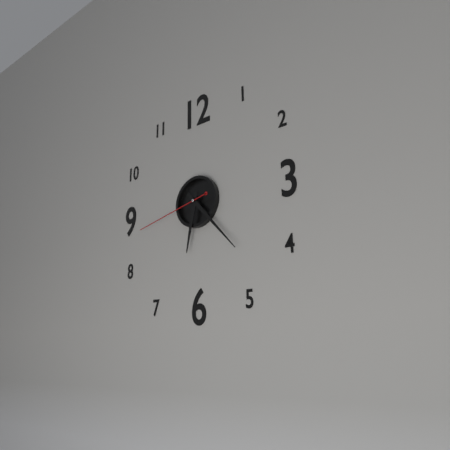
6:23:43
